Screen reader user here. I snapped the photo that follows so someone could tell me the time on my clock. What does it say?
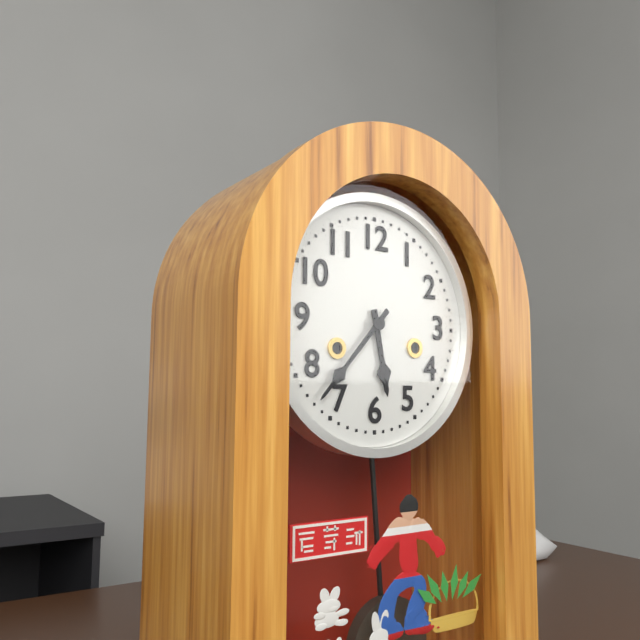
5:37
